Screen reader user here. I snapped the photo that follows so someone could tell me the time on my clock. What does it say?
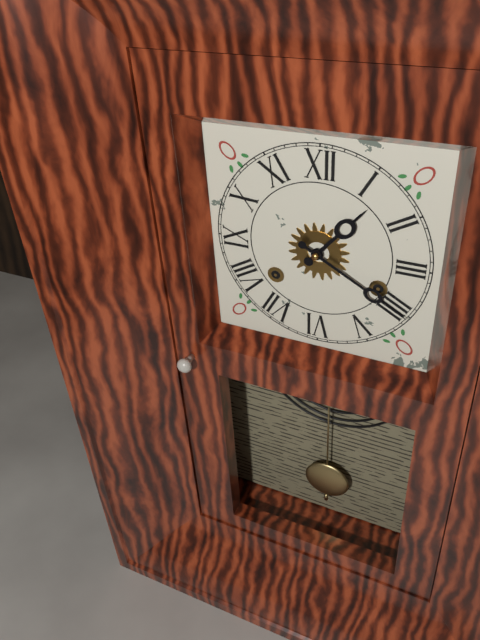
1:20
